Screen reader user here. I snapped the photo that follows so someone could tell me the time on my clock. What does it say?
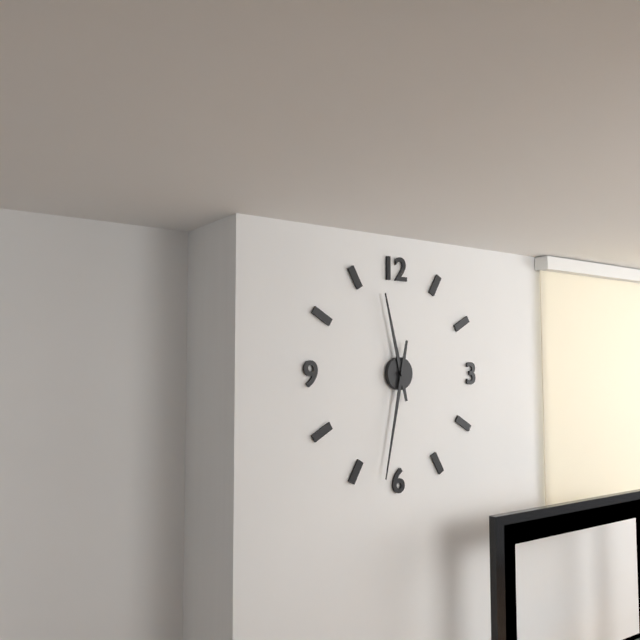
11:32
